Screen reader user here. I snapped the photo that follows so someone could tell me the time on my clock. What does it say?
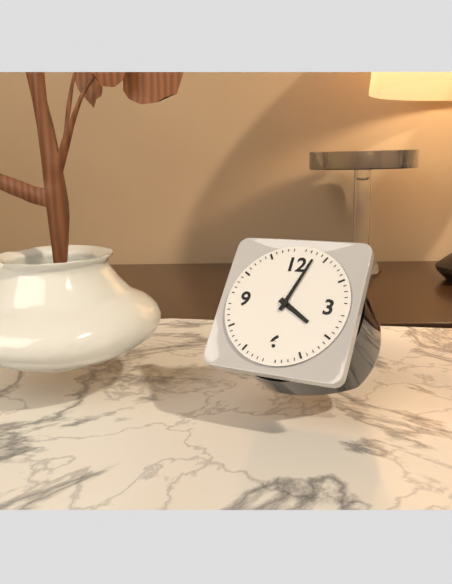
4:03
